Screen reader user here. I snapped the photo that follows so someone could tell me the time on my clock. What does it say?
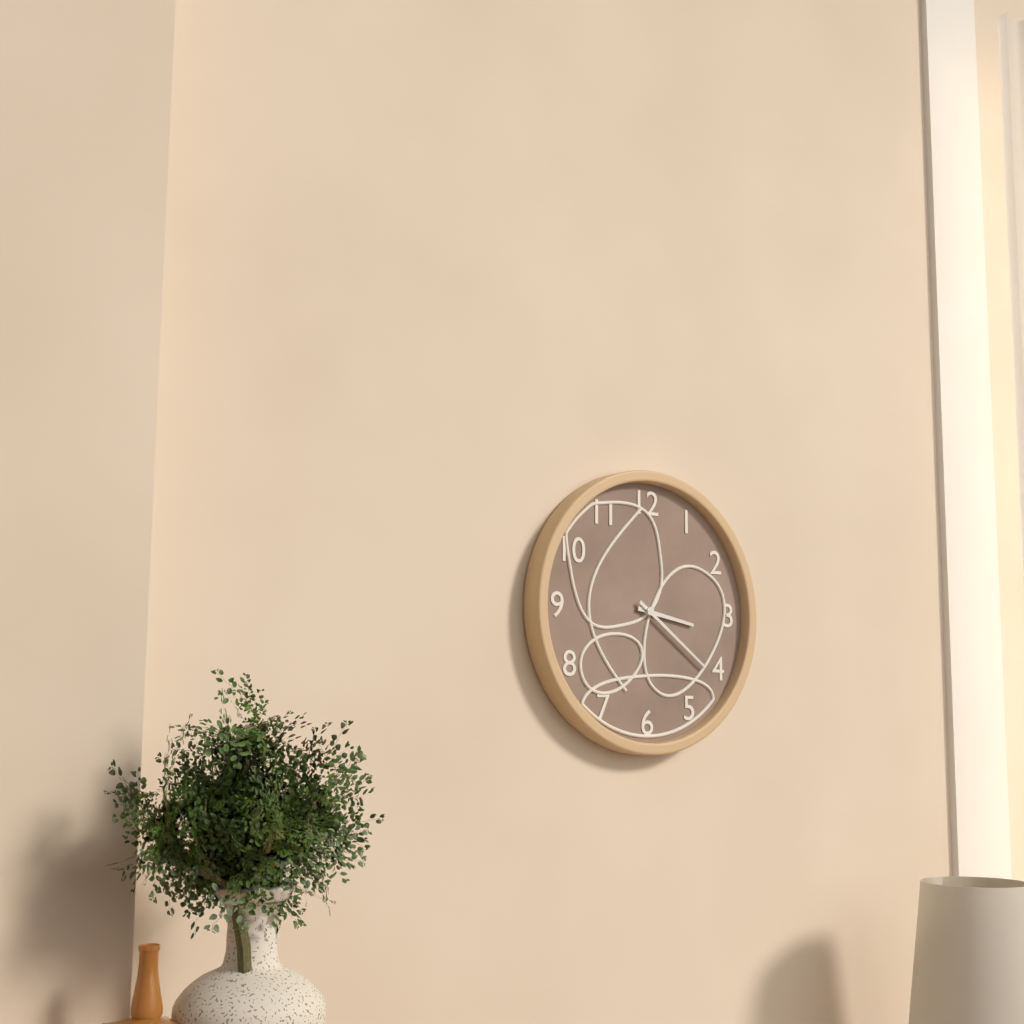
3:21
